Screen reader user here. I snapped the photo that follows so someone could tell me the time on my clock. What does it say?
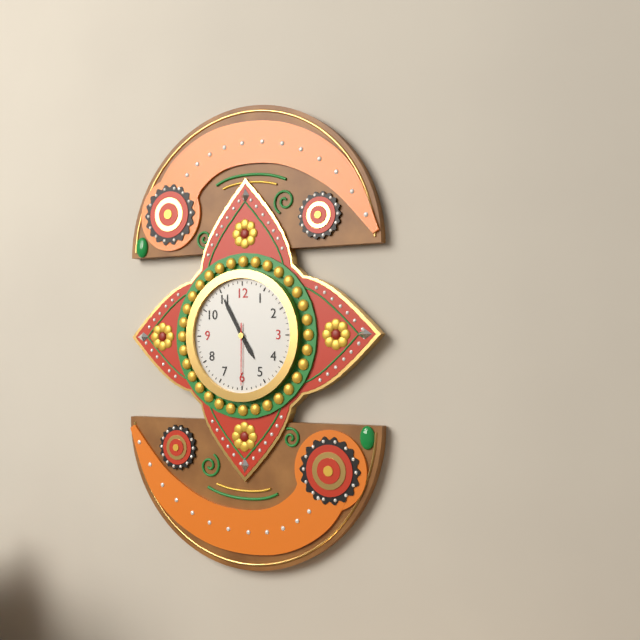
4:55:30
